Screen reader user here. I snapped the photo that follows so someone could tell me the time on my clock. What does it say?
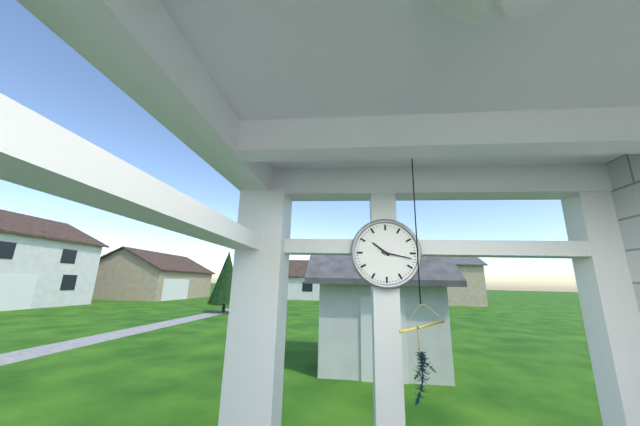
10:17
